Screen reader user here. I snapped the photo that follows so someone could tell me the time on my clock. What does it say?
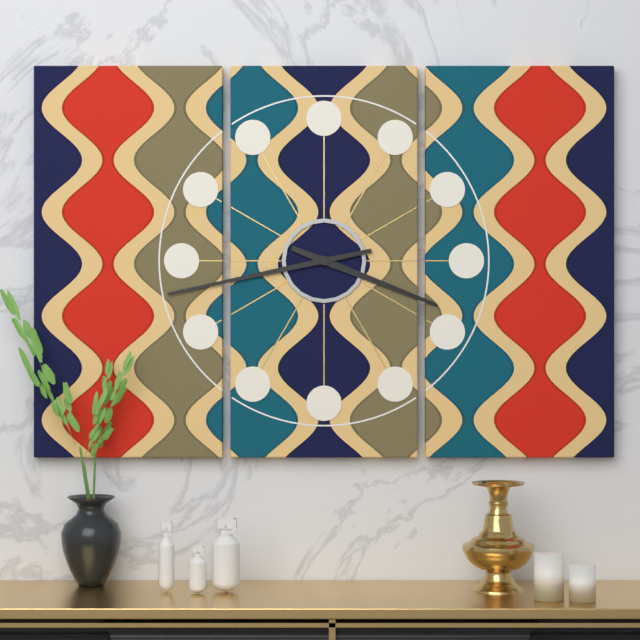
3:43
